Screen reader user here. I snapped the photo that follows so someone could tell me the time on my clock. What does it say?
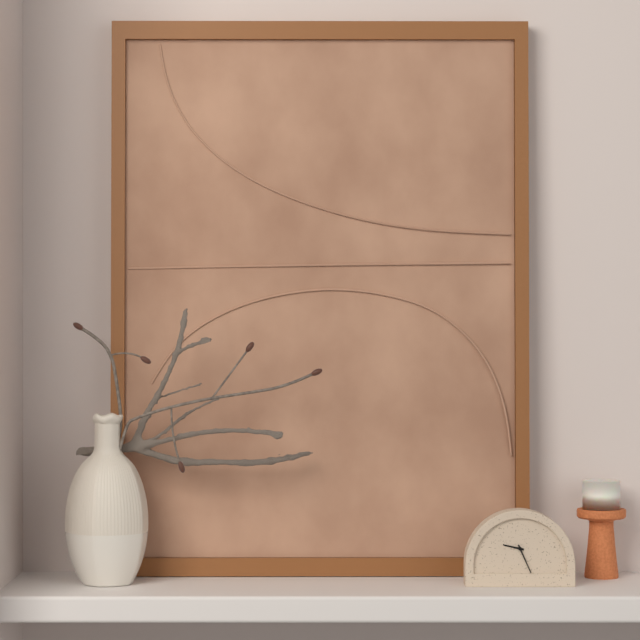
9:26
